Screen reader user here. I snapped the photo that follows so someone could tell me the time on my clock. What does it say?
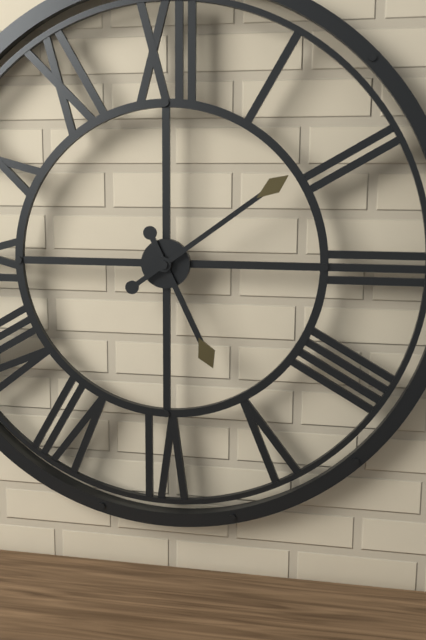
5:09
